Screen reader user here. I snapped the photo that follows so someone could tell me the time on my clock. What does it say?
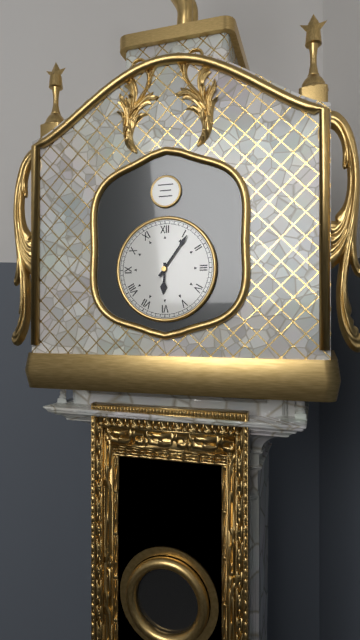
6:06
